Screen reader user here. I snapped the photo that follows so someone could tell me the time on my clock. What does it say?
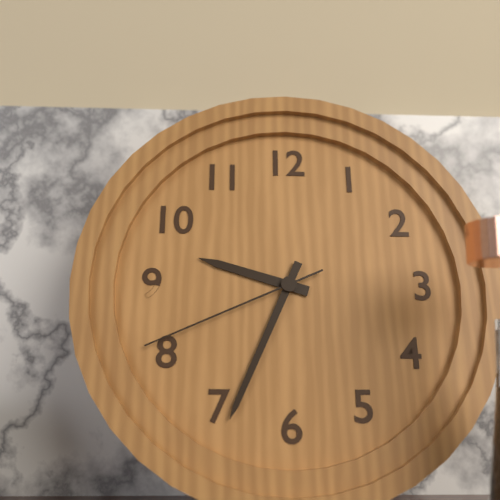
9:34:41
